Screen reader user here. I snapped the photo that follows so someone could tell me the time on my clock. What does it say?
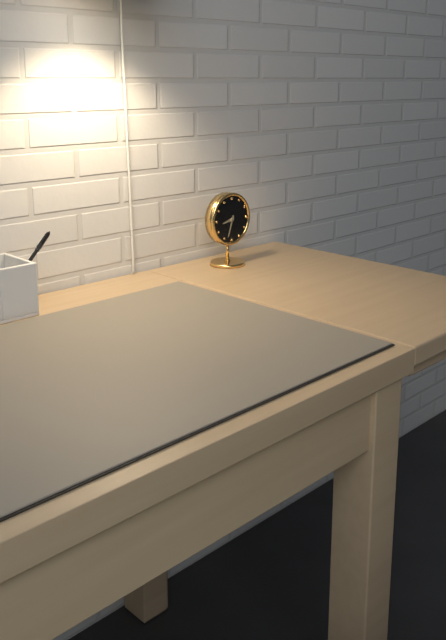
8:33
